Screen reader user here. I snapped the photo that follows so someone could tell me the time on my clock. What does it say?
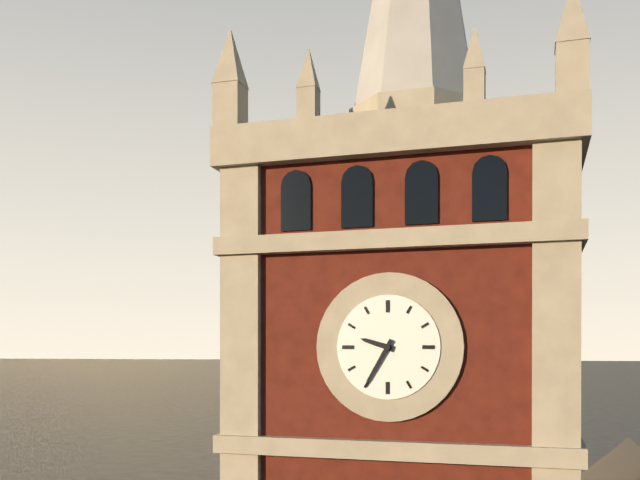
9:35
